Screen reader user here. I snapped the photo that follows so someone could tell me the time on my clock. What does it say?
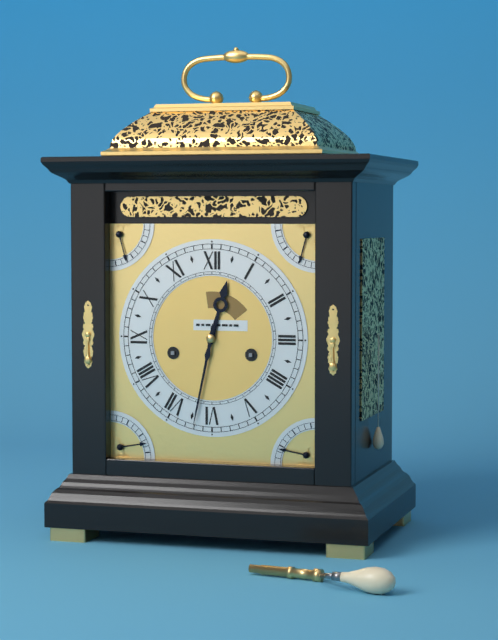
12:32
